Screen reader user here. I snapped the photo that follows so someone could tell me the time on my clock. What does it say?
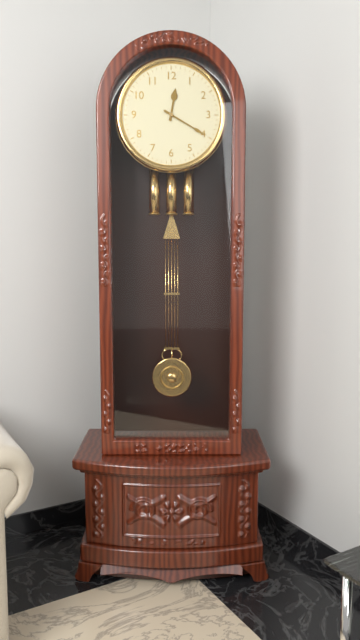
12:20
